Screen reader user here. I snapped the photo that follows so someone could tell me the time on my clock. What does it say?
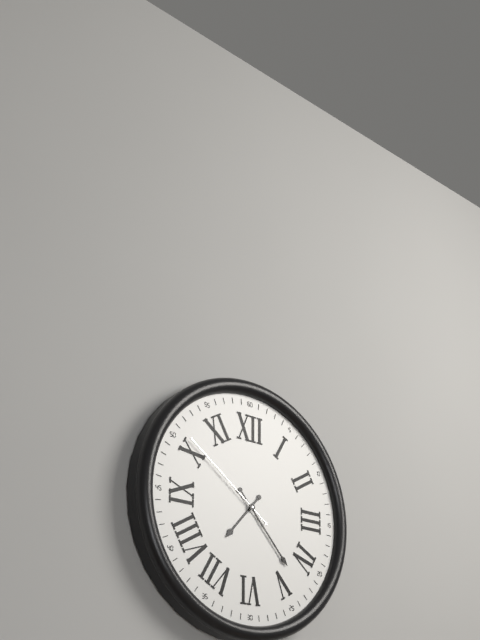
7:23:51
